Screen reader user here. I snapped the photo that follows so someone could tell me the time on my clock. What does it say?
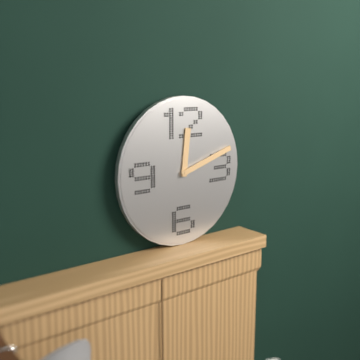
12:12
